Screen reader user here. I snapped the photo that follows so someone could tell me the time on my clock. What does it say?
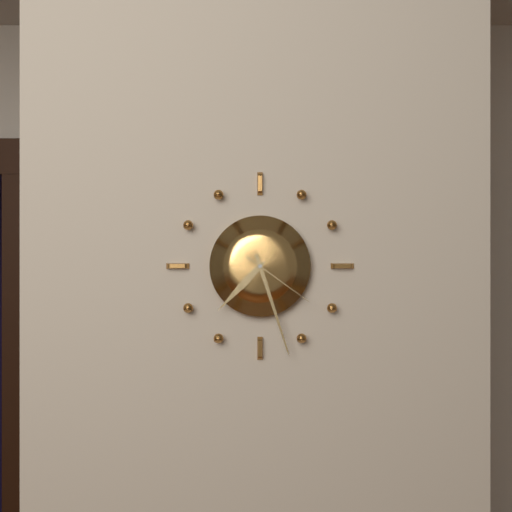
7:27:21
